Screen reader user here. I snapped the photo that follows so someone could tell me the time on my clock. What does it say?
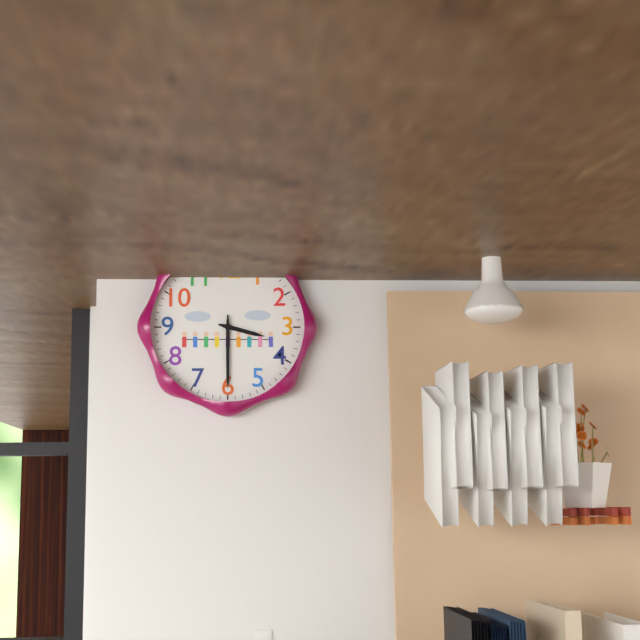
3:30
